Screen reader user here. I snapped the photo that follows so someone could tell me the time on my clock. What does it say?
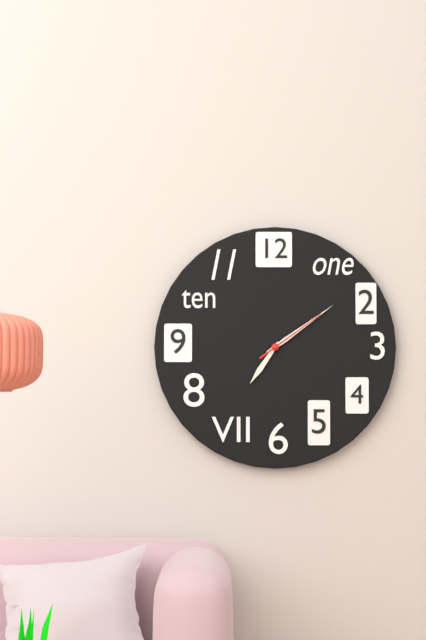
7:09:09
